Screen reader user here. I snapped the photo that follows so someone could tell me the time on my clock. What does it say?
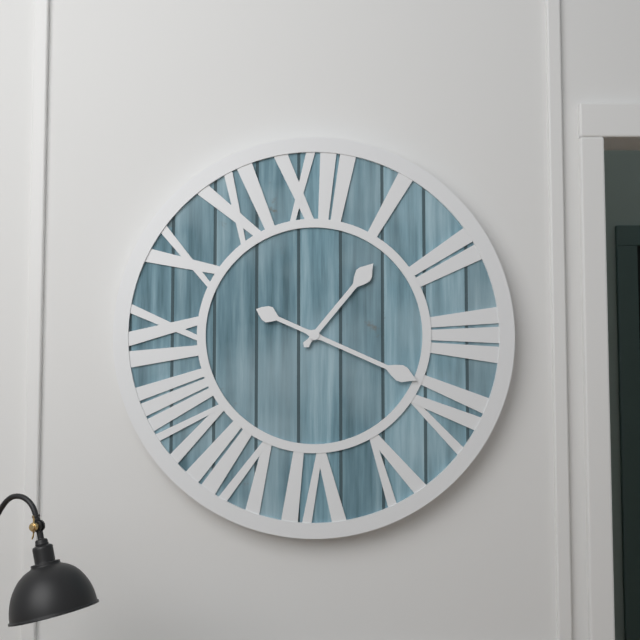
1:19
